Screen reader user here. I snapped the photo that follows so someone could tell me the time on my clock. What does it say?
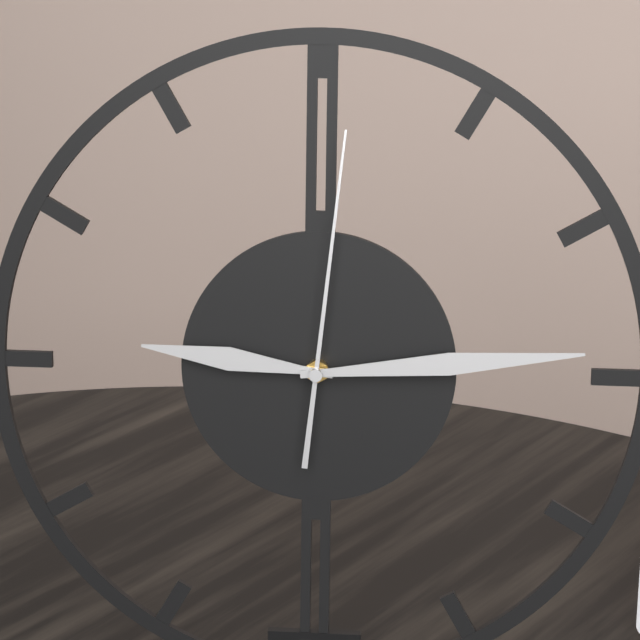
9:14:01
